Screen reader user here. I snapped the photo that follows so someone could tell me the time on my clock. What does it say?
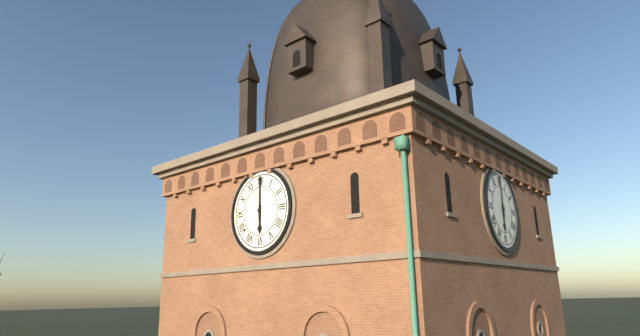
6:00
